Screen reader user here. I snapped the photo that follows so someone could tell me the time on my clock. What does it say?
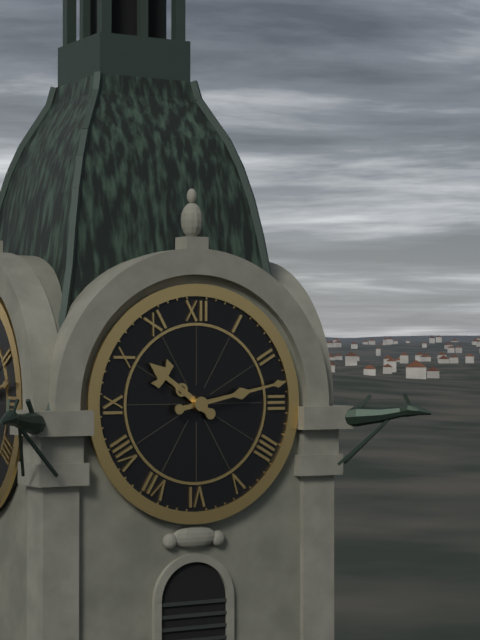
10:13
